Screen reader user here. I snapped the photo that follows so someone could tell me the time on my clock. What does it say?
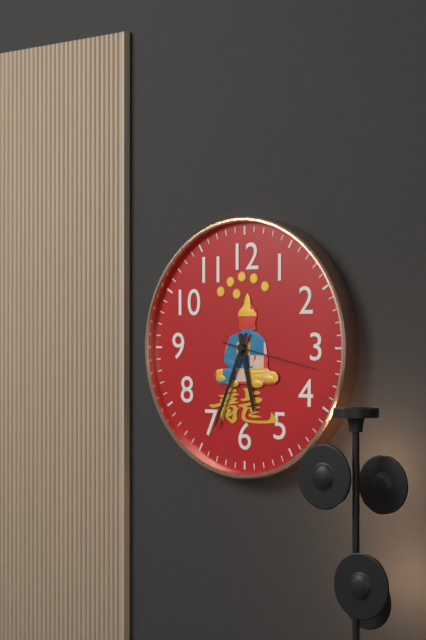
5:34:17
